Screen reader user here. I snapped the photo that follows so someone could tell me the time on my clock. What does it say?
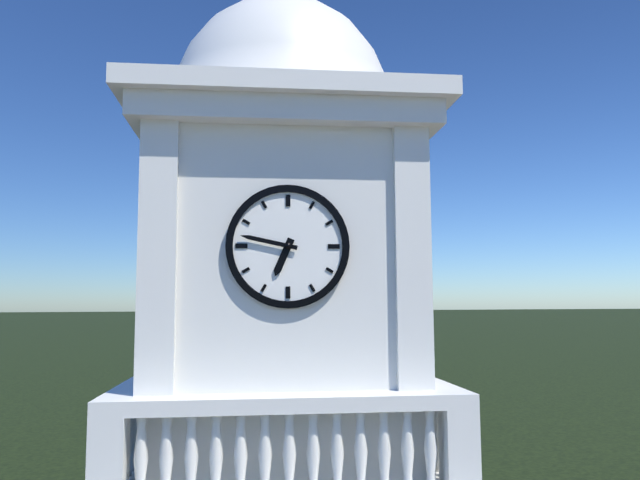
6:47
